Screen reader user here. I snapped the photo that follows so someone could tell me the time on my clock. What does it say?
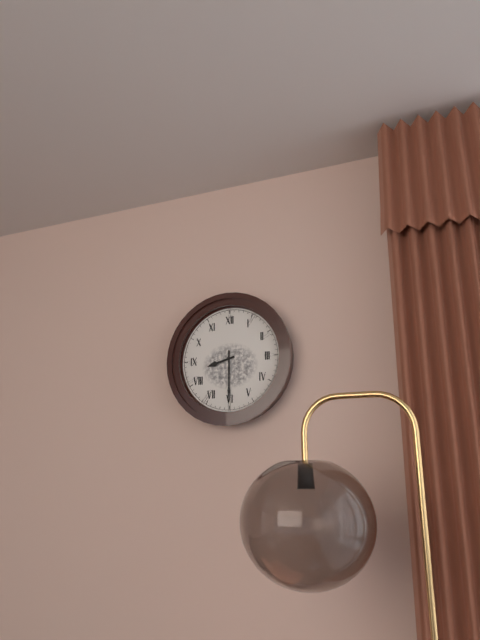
8:30
